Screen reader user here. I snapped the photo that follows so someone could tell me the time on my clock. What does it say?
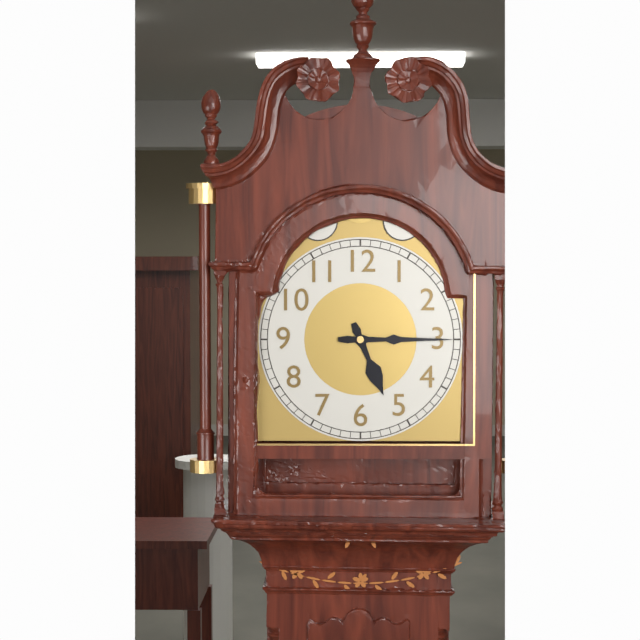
5:15
